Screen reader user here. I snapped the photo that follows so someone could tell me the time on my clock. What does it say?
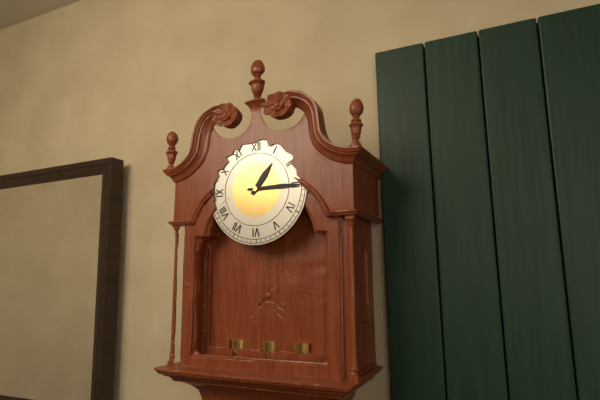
1:15
